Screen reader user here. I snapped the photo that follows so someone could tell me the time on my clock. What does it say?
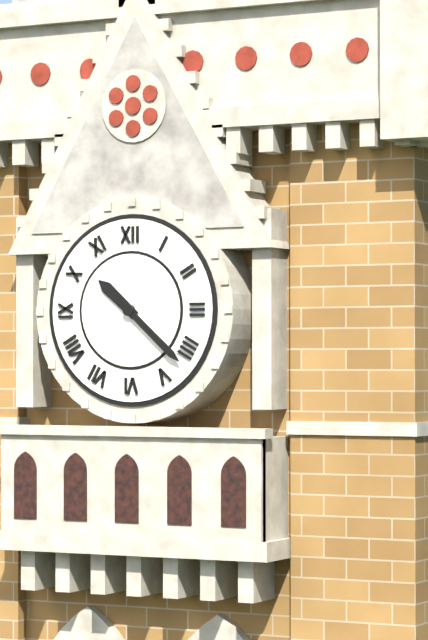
10:22
